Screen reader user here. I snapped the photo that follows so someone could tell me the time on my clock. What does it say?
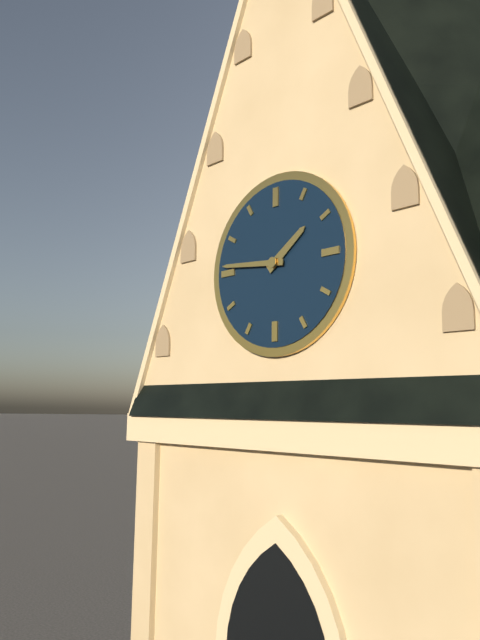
1:46
